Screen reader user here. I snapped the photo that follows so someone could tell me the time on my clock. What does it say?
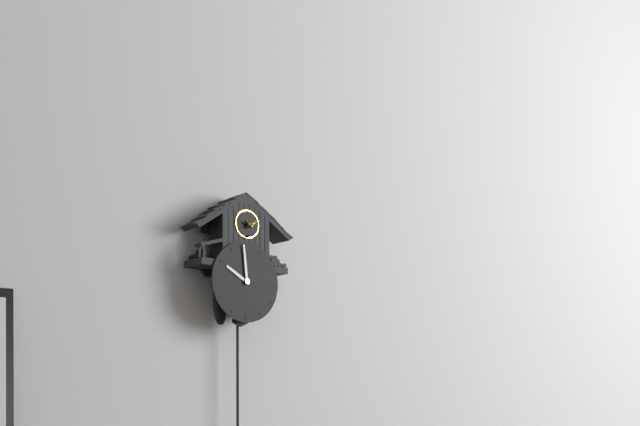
9:59
